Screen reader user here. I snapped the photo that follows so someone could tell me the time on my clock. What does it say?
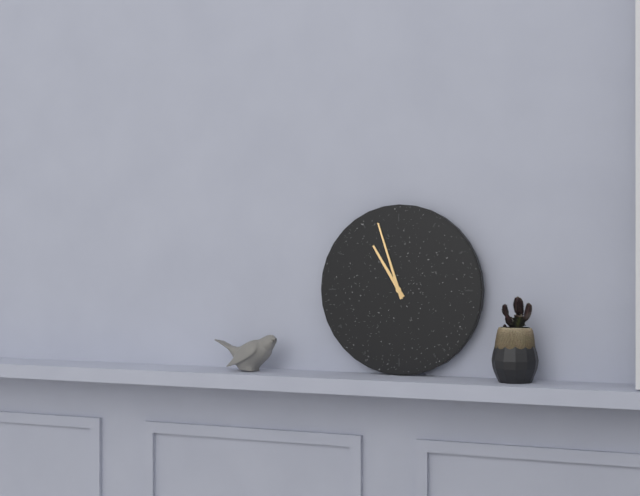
10:57
